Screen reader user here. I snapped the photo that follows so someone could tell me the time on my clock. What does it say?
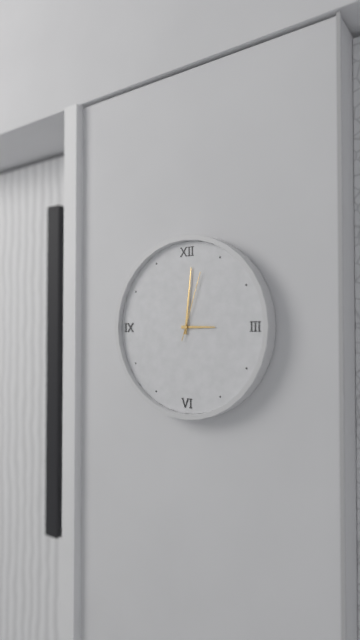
3:01:03
